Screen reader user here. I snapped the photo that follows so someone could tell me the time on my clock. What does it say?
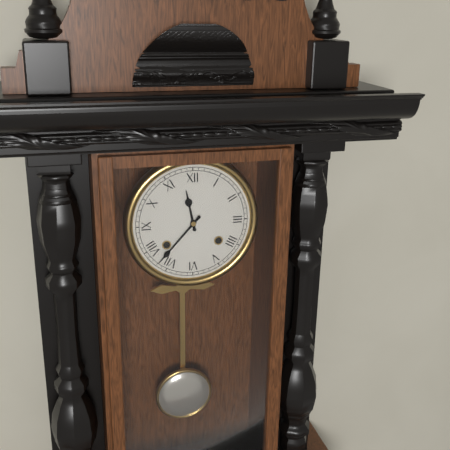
11:37
